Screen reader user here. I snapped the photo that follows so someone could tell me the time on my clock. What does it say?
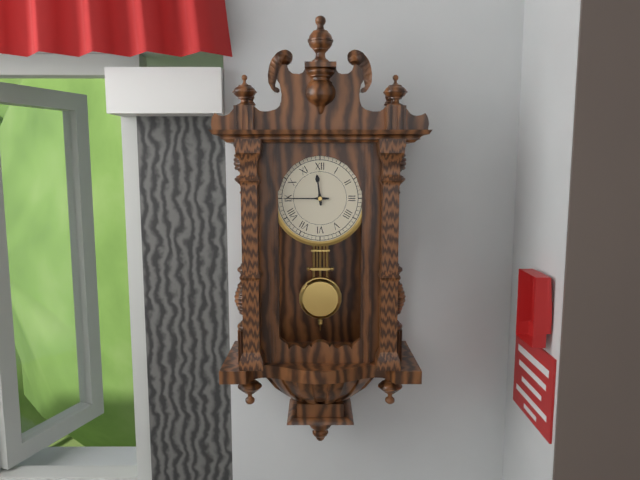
11:45
